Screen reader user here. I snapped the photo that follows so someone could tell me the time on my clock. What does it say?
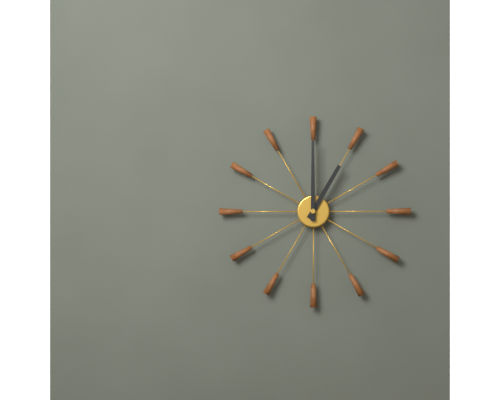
1:00
